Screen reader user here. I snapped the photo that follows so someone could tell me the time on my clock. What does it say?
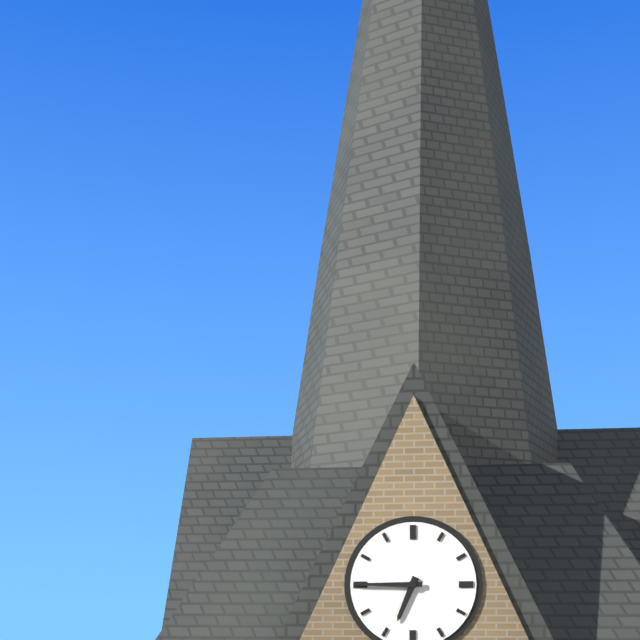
6:45
